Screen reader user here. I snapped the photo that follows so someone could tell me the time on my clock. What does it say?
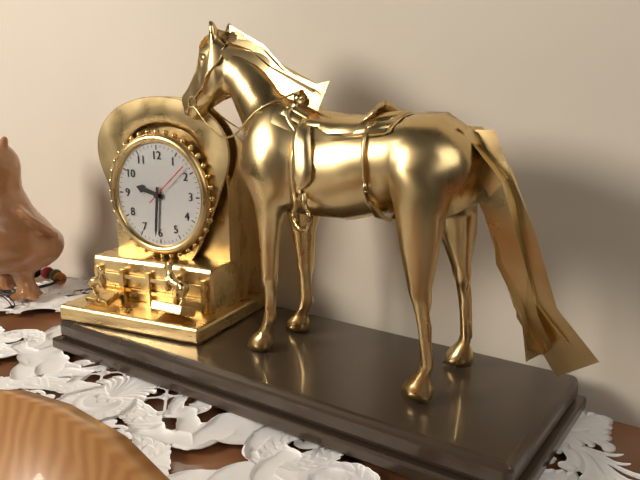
9:31
